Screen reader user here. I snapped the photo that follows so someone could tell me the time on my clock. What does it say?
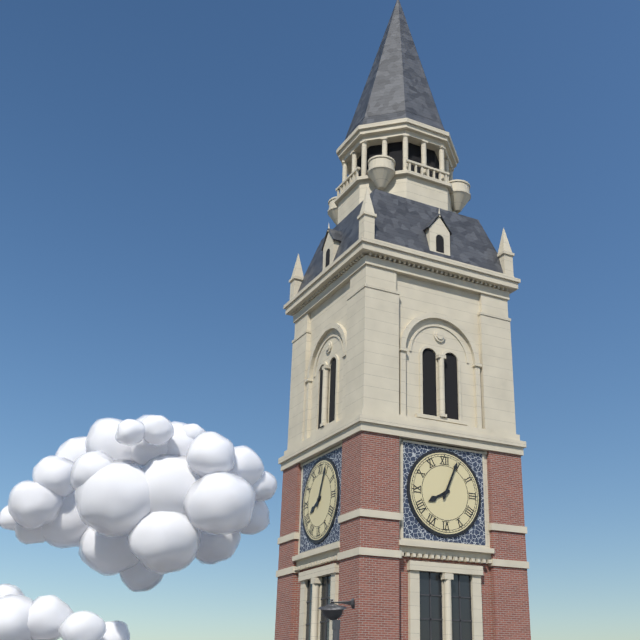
8:04
